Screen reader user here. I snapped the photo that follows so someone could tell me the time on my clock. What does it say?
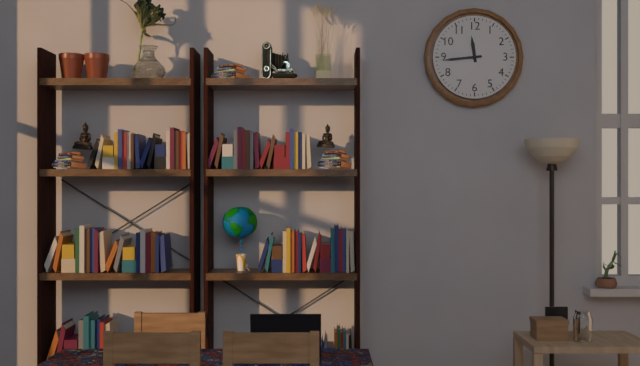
11:44
